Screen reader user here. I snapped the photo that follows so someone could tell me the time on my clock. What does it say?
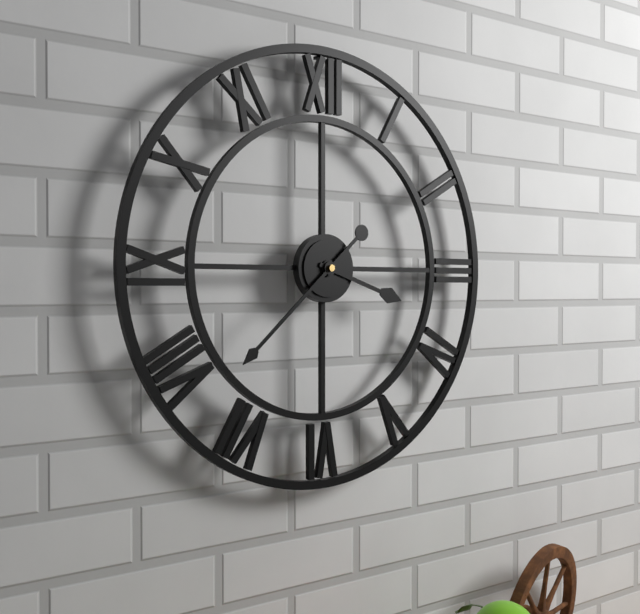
3:38
